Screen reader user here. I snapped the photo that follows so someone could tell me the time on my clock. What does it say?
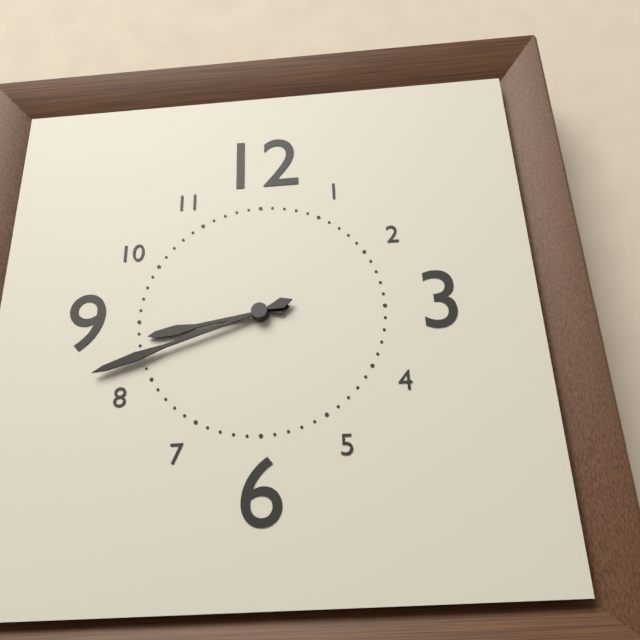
8:42
